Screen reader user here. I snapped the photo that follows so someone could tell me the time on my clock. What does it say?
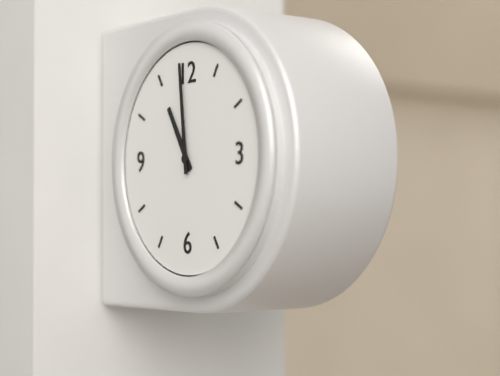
10:59
